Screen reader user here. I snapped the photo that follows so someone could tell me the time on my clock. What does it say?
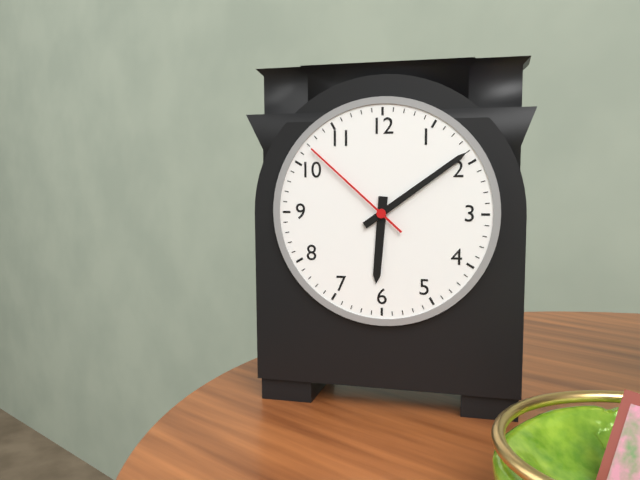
6:09:52
